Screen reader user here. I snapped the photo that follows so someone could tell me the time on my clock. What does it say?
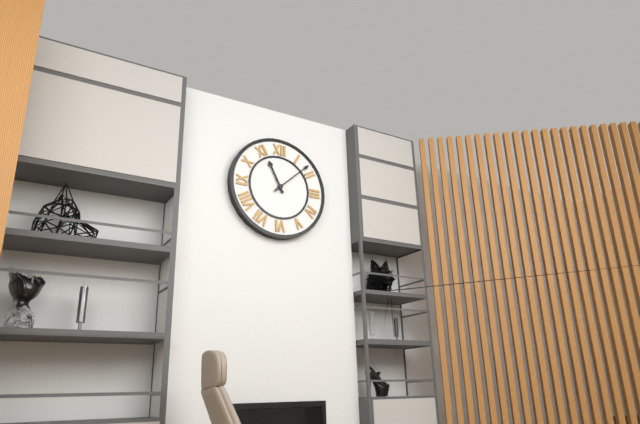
11:08
